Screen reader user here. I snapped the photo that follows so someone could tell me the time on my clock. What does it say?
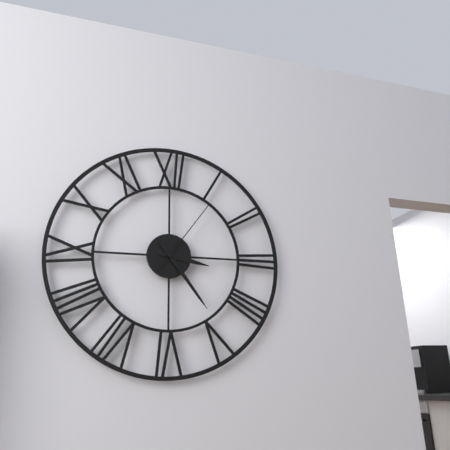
3:24:06
